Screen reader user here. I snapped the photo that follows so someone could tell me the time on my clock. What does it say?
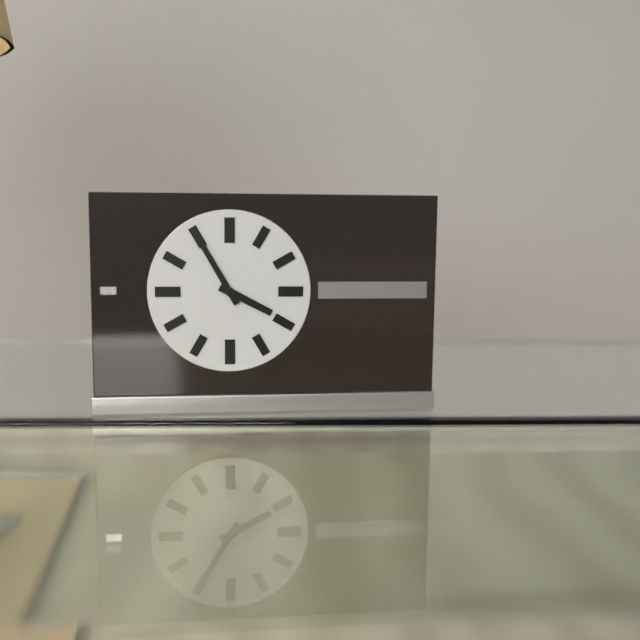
3:55
